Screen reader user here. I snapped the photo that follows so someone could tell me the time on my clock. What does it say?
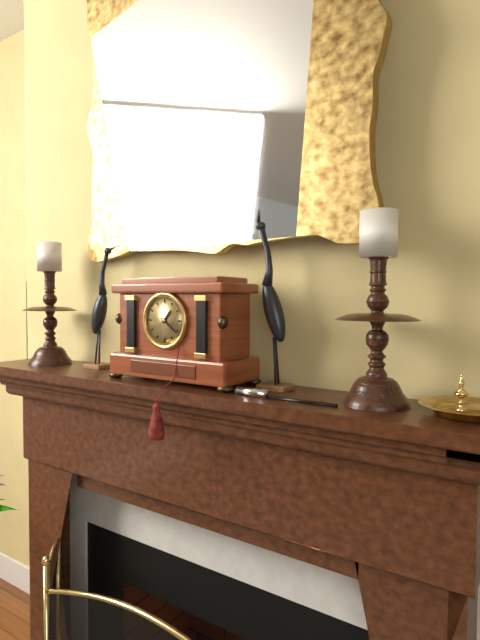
1:21
